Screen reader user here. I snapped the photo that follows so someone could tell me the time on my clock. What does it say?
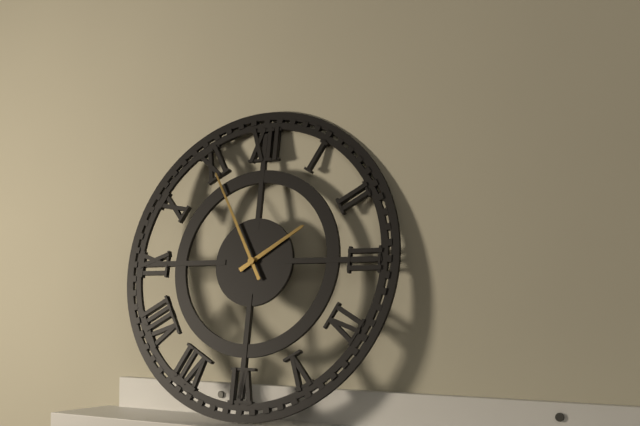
1:55
